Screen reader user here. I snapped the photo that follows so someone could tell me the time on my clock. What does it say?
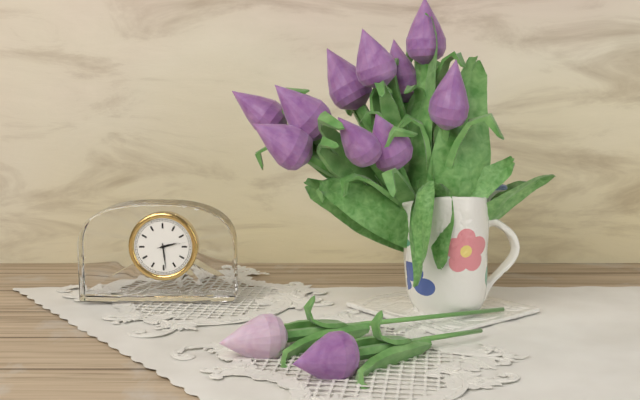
2:29
